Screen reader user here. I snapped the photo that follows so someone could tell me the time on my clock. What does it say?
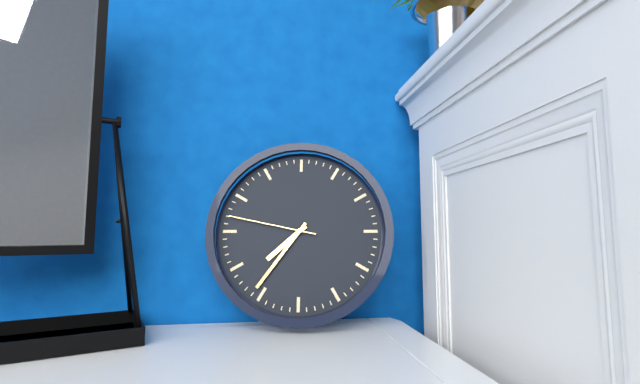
7:36:47
